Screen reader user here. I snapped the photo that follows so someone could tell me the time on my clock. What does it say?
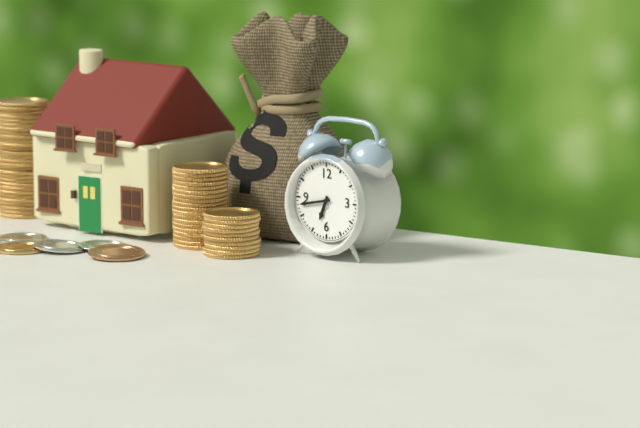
6:43
